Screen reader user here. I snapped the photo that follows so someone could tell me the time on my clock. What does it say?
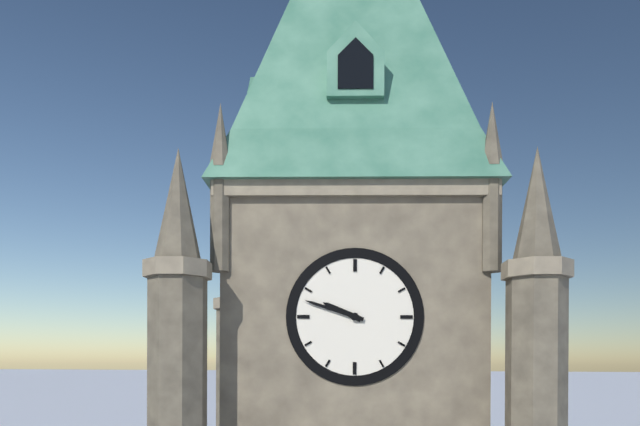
9:48
